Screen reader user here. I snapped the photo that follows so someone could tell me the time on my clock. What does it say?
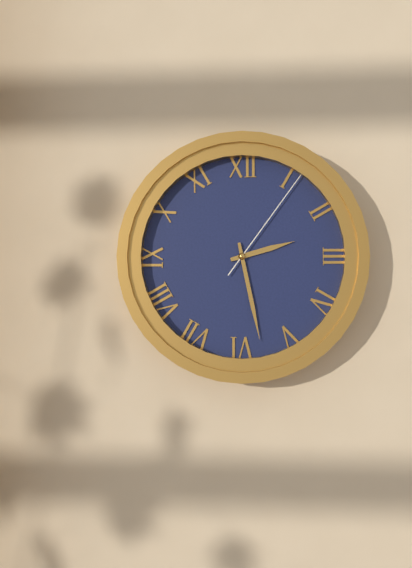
2:28:06
